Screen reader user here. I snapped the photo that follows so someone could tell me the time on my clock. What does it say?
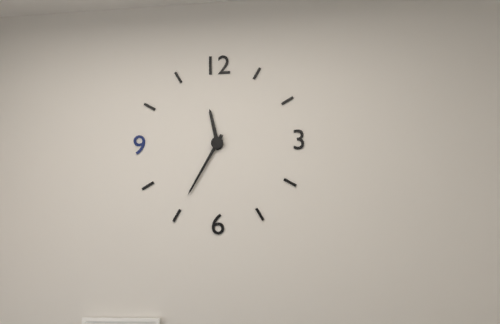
11:35
